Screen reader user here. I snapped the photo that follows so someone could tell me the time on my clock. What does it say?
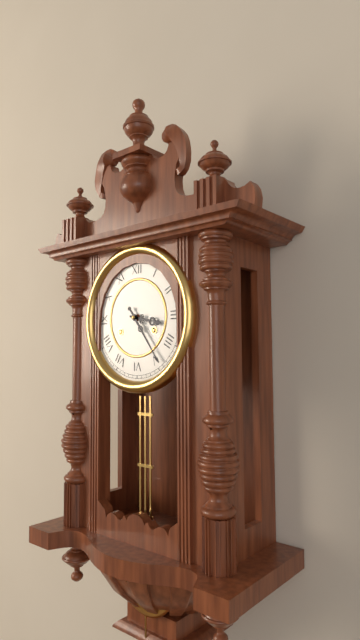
3:24
